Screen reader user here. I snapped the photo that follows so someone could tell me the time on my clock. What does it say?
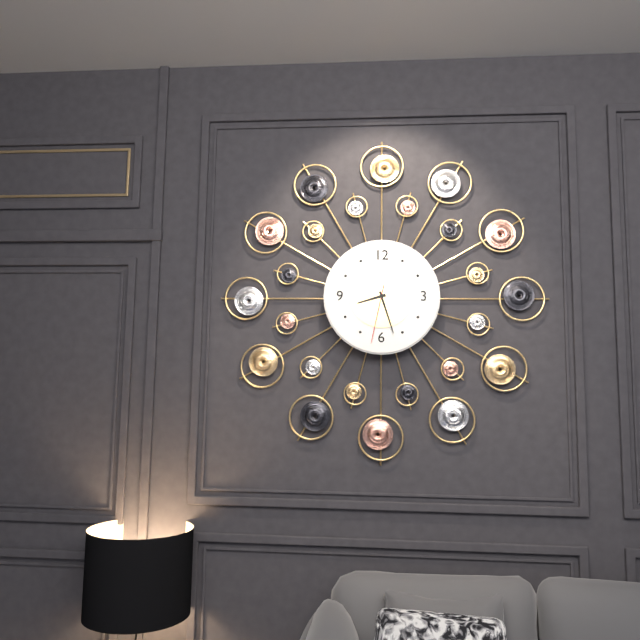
8:27:32
